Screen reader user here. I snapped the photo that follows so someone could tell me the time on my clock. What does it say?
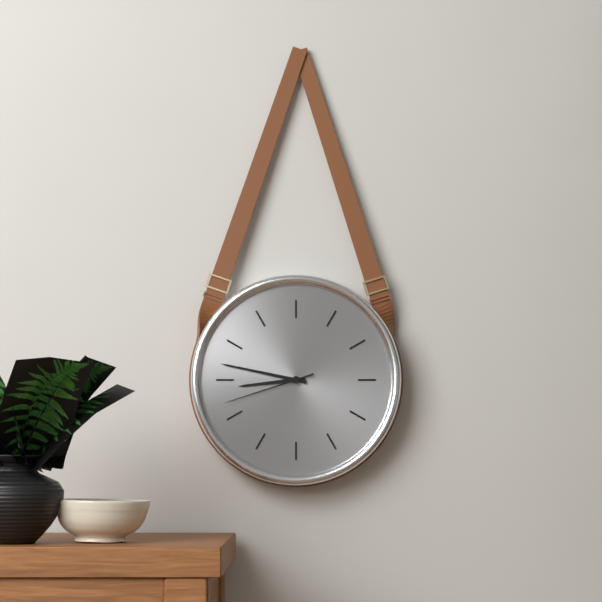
8:47:42
